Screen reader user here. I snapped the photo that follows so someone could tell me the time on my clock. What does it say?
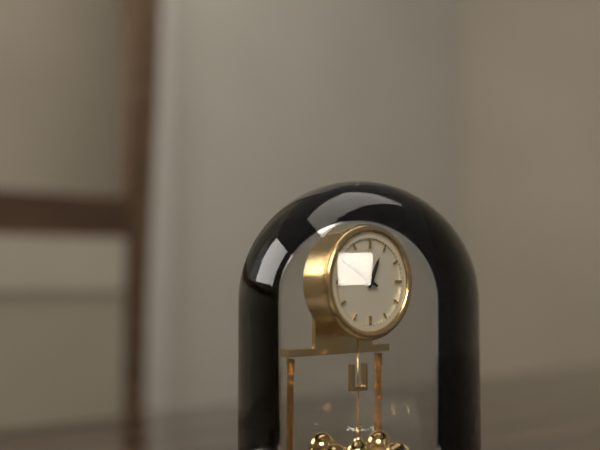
12:50
